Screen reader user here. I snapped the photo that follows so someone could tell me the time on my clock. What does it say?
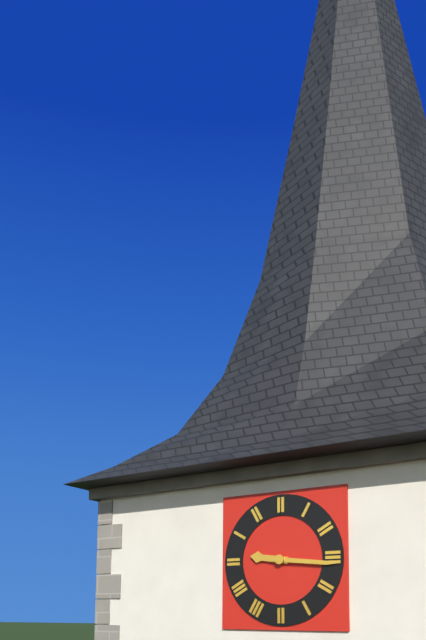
9:16
